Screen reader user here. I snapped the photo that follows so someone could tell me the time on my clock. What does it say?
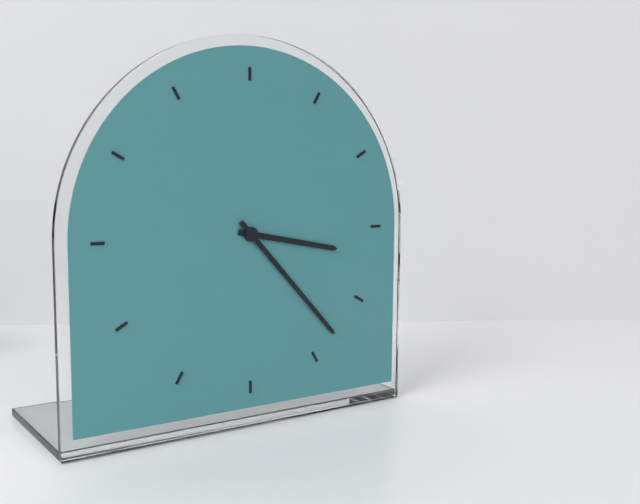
3:23
